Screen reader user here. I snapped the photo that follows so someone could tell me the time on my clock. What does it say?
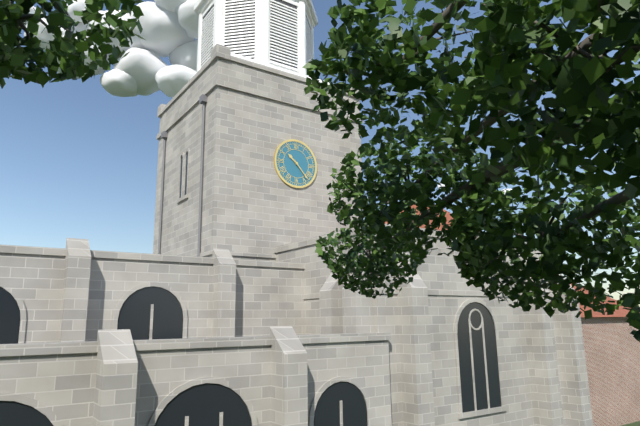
10:23
